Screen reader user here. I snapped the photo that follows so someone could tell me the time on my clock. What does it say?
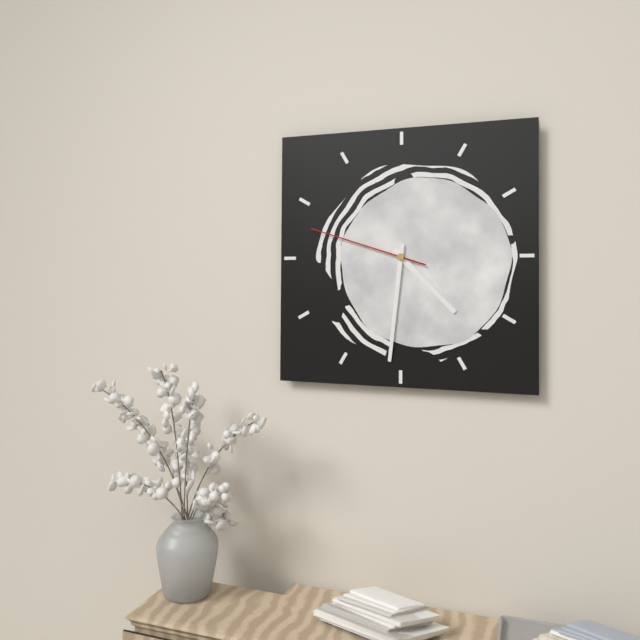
4:31:48
